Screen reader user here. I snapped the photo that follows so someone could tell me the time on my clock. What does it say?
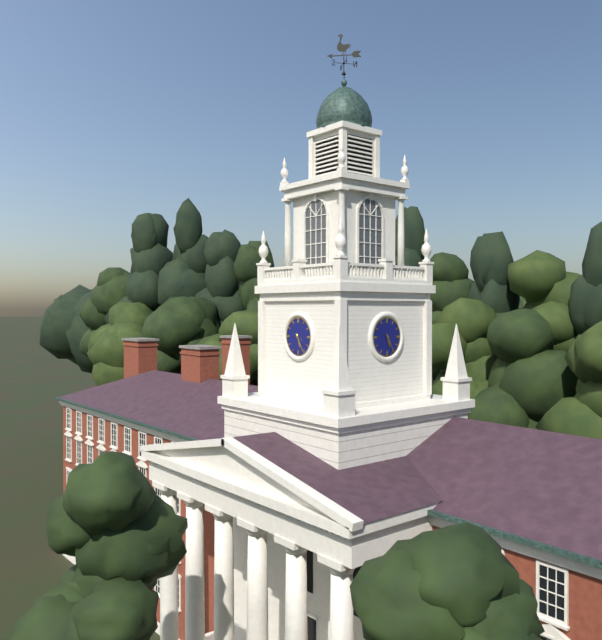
5:25
